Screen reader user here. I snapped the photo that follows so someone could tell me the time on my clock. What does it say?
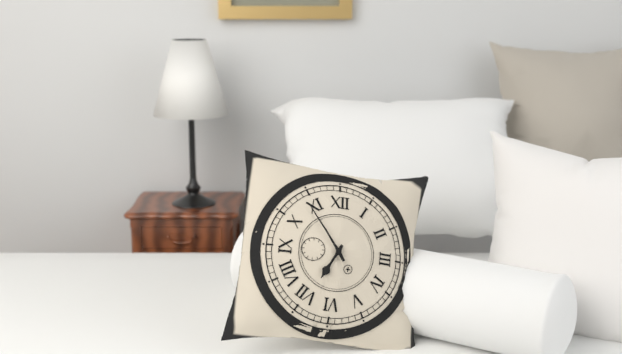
6:54
